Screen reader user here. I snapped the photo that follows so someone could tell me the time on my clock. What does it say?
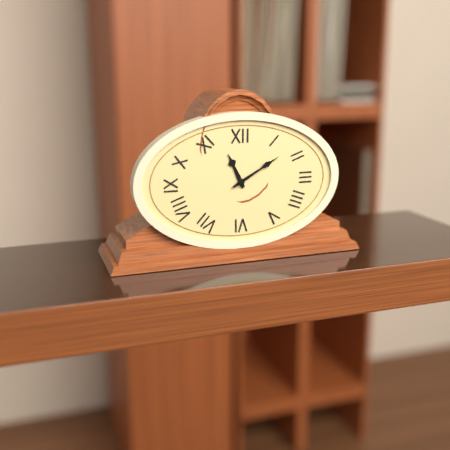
11:10
